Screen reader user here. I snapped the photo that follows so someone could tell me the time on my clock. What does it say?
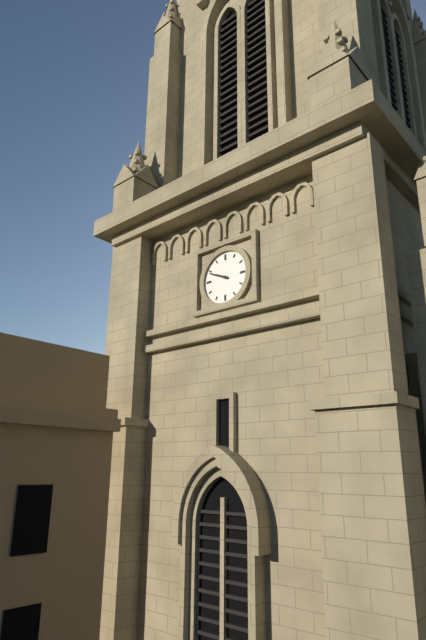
9:49
